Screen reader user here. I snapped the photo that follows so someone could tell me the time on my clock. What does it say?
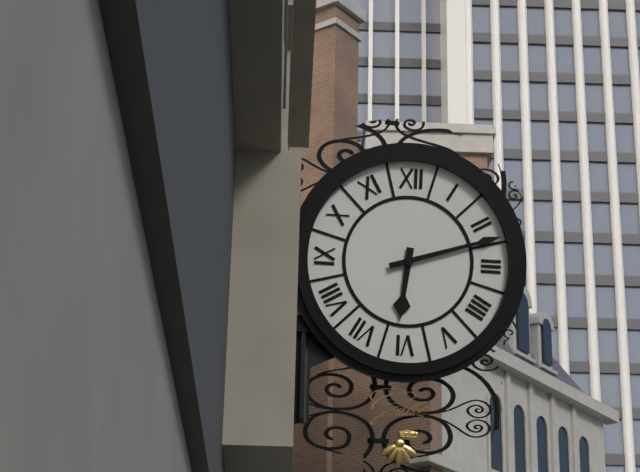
6:12
